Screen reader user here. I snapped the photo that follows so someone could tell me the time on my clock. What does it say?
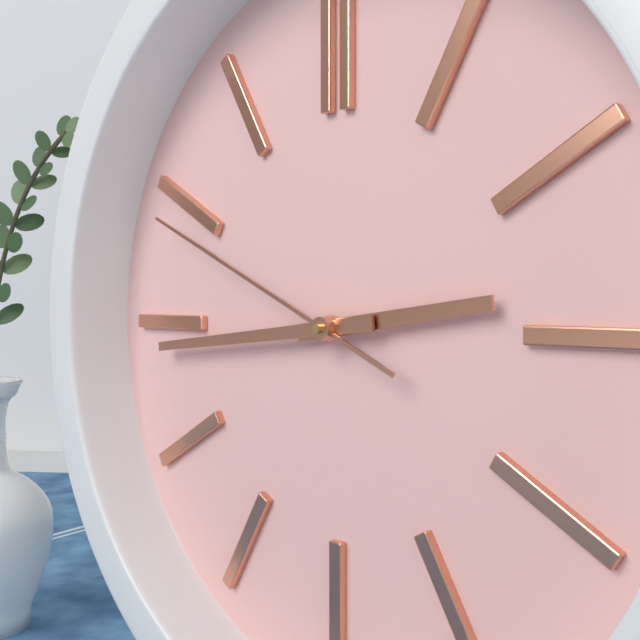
2:44:49
